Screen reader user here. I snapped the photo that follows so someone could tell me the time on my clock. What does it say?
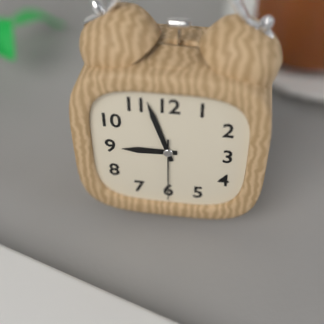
8:57:30
